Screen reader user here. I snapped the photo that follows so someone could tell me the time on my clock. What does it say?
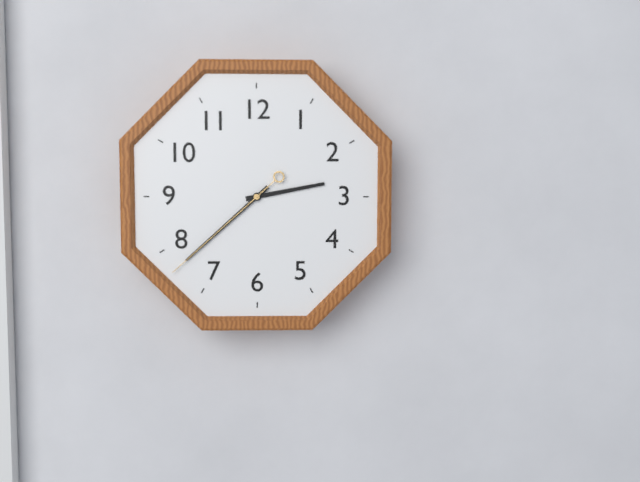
2:38:38
